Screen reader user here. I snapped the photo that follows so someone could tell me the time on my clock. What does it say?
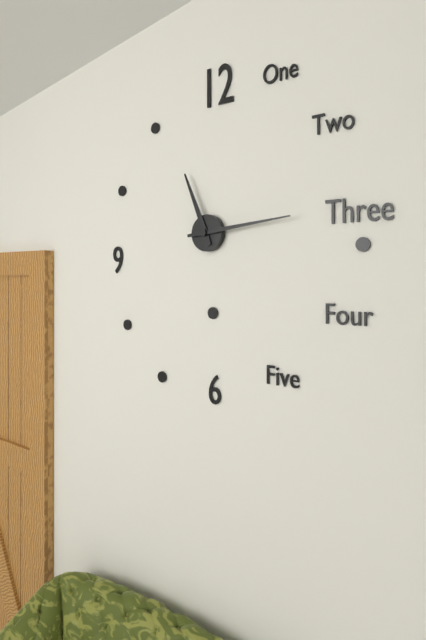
11:14
